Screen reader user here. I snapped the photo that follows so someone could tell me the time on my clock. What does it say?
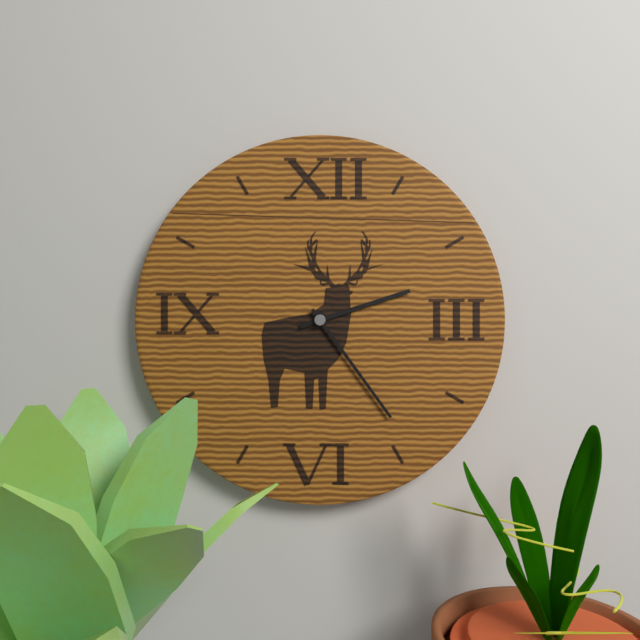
2:24
